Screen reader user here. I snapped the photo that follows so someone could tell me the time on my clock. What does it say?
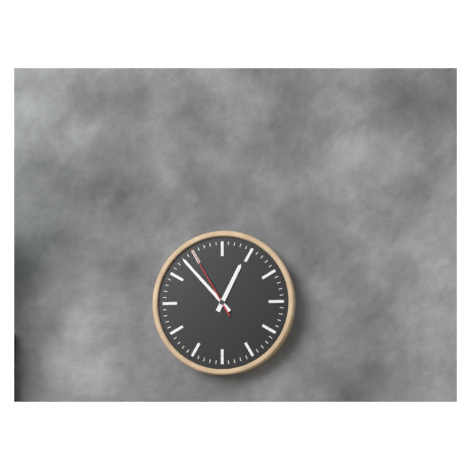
12:53:55
